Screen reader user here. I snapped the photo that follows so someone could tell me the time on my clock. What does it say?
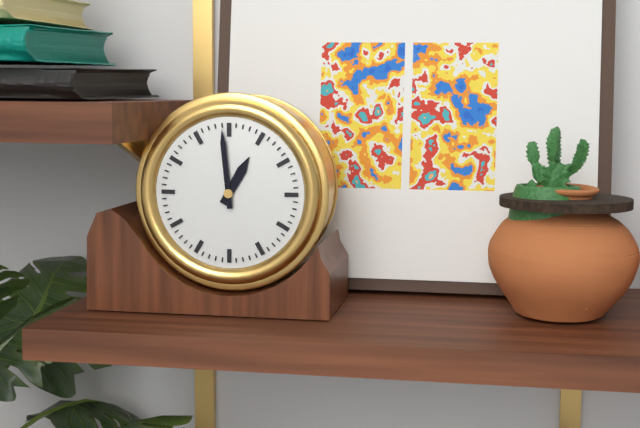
12:59
